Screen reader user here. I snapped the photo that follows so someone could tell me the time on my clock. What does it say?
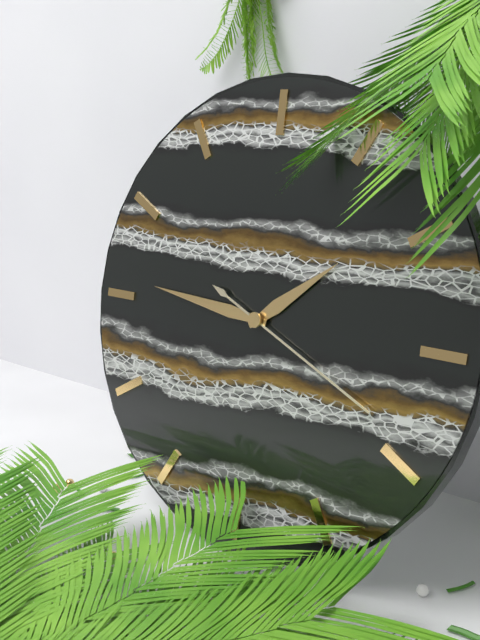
1:46:19
